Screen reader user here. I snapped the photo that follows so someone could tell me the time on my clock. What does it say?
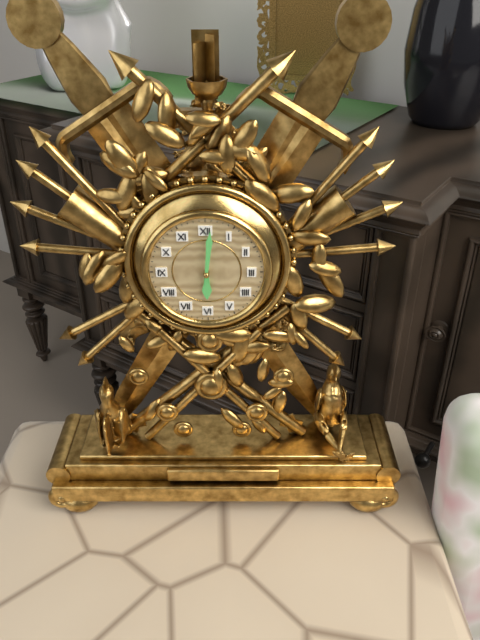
6:01
